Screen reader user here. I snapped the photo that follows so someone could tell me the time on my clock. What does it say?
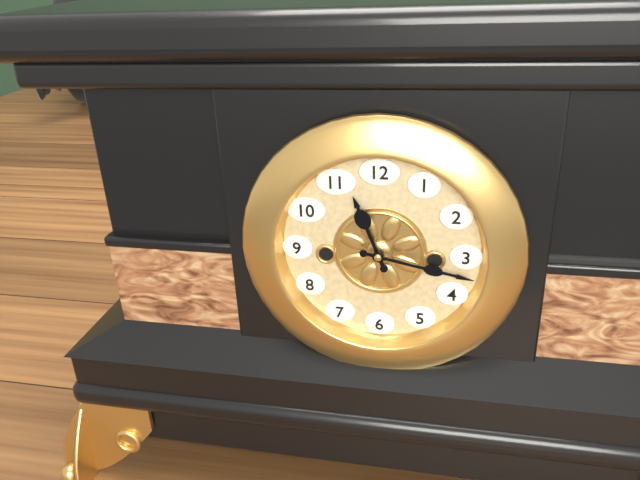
11:17
